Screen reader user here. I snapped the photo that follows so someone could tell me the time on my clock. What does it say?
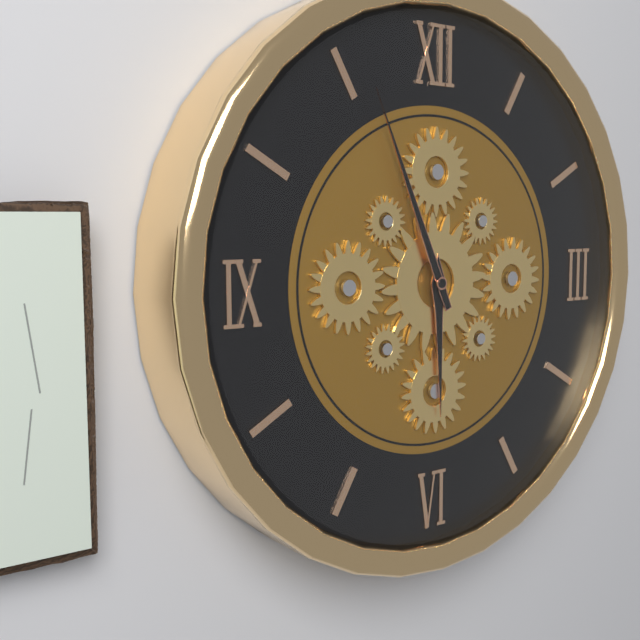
5:56
